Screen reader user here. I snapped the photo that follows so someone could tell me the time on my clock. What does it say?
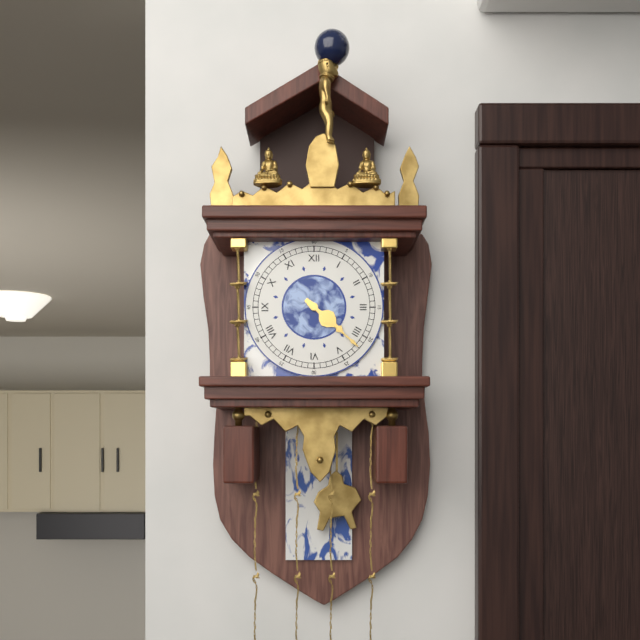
4:22
